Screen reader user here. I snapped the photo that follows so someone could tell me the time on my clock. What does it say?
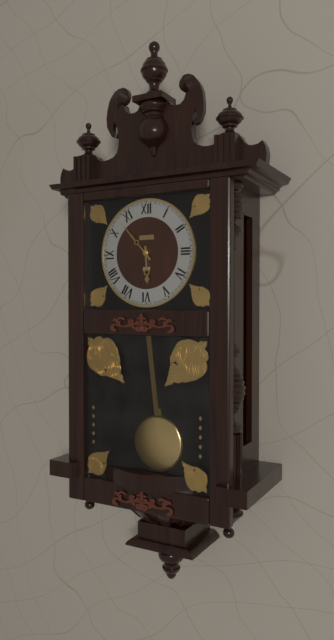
5:53
